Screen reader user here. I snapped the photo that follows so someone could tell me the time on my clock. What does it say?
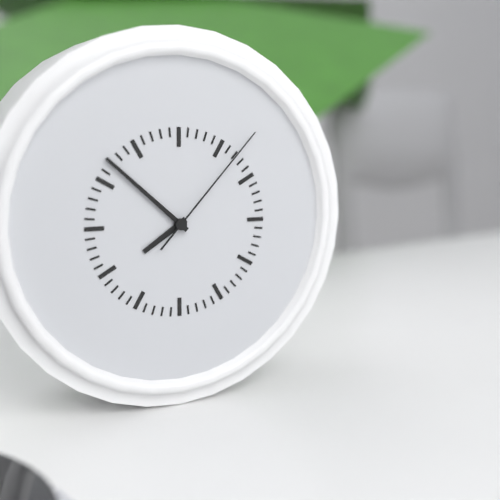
7:52:07
